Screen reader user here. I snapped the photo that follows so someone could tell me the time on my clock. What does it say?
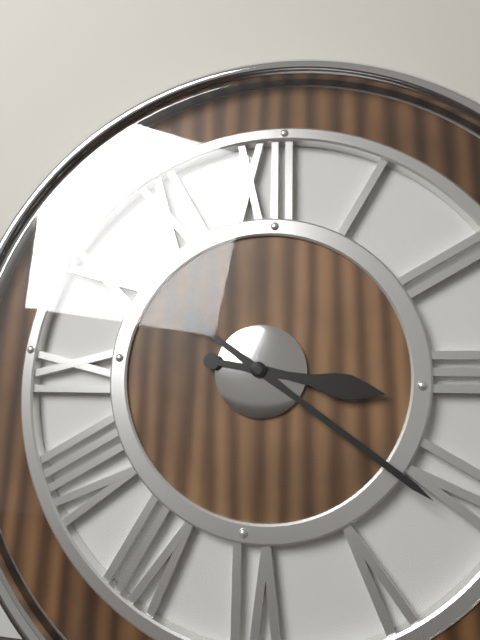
3:21
